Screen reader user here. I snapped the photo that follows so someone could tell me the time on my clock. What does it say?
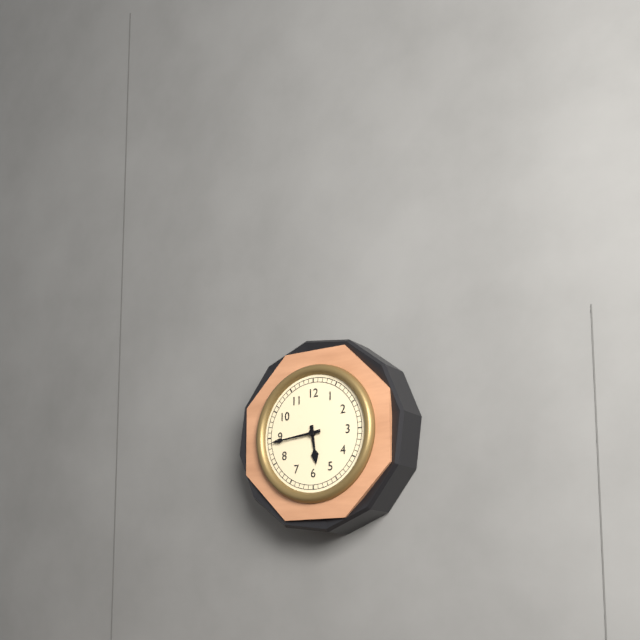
5:44
